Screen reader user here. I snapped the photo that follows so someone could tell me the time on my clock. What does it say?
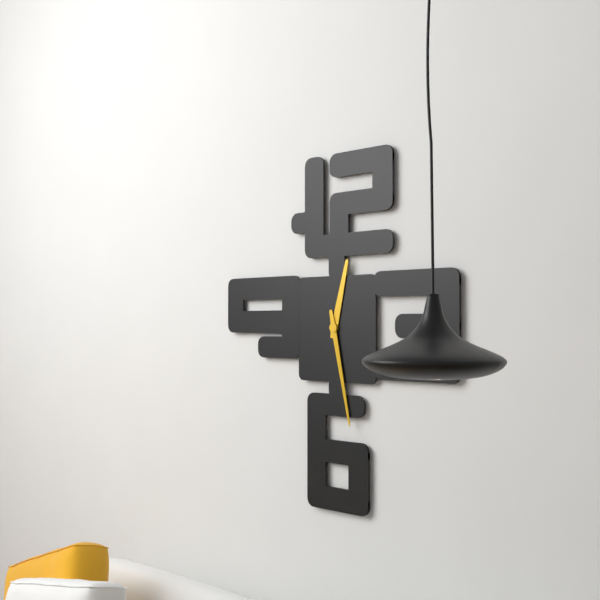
12:28
